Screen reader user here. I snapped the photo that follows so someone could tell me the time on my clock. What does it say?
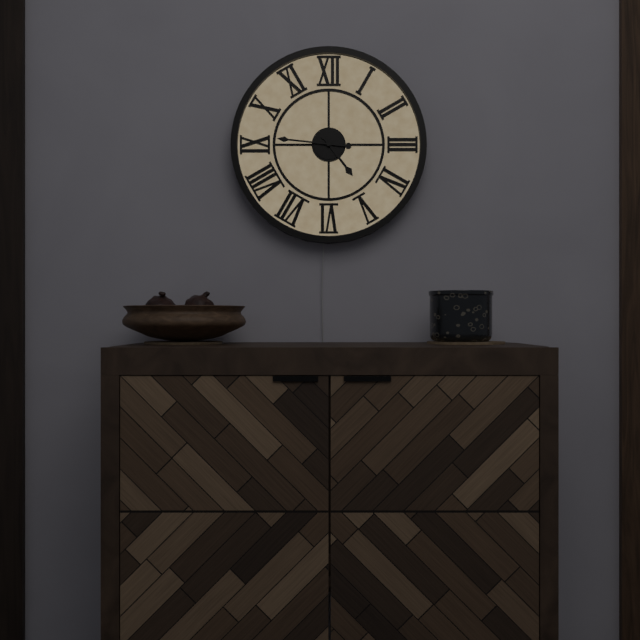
4:46
